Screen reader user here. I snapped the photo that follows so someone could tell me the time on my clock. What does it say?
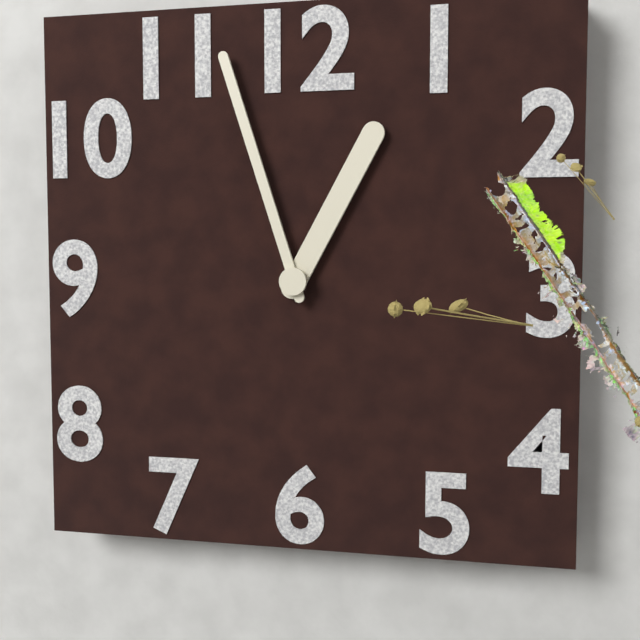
12:57
